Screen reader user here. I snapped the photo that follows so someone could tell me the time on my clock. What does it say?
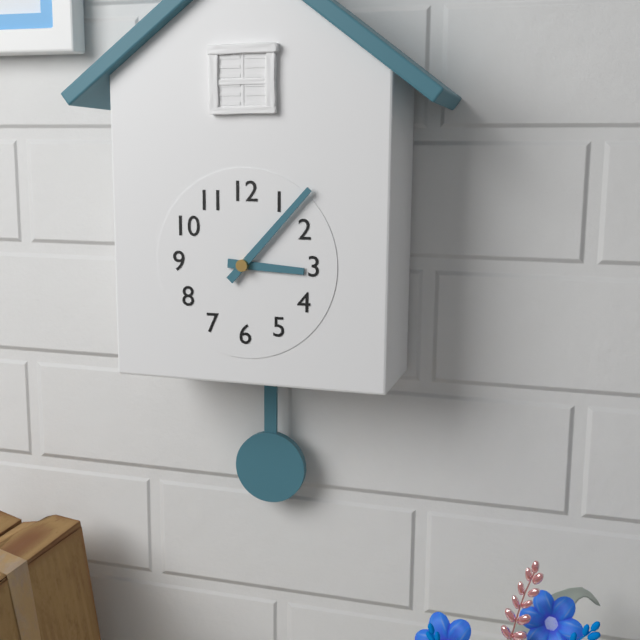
3:07
